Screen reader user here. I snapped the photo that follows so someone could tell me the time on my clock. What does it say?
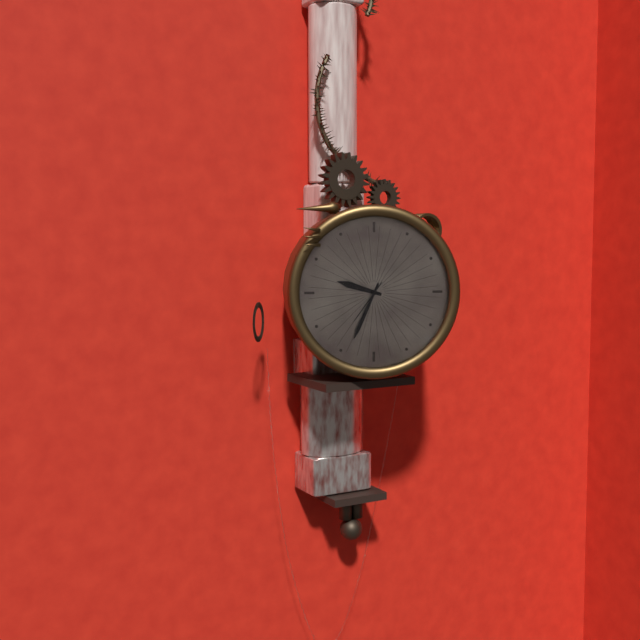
9:34
